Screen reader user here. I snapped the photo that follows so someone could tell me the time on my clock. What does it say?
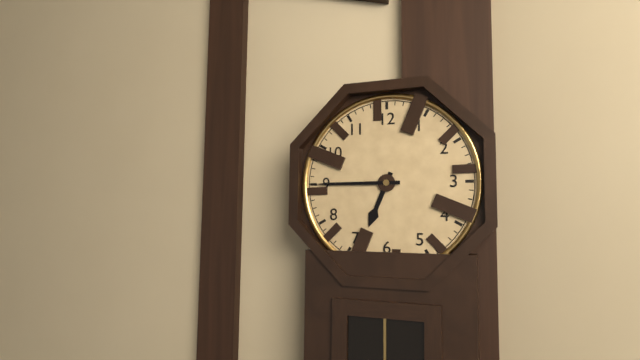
6:45
